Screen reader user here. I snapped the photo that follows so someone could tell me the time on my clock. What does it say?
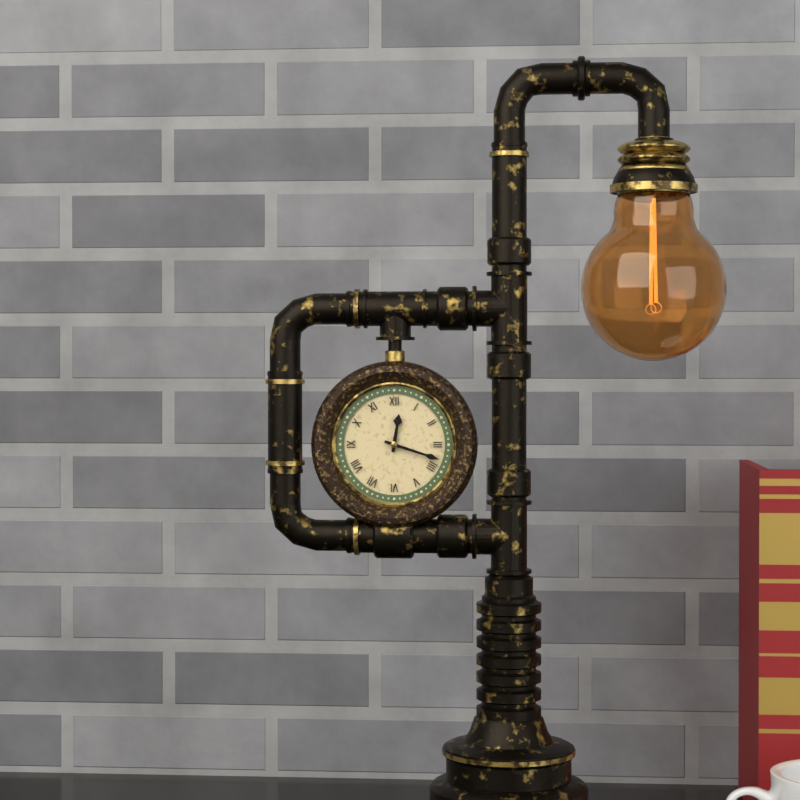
12:18
